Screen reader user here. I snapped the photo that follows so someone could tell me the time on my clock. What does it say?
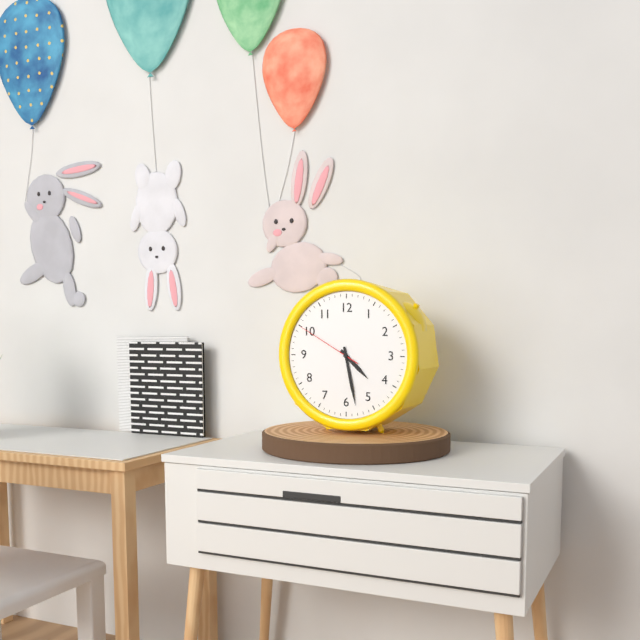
4:28:50
